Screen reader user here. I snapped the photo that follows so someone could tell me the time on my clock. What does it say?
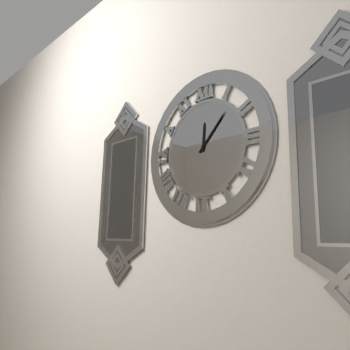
12:07
